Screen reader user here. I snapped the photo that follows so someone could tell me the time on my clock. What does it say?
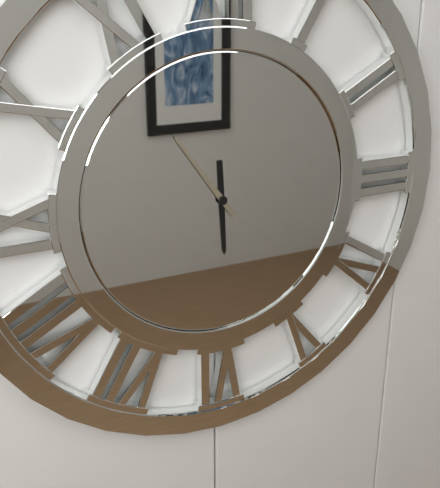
5:54
